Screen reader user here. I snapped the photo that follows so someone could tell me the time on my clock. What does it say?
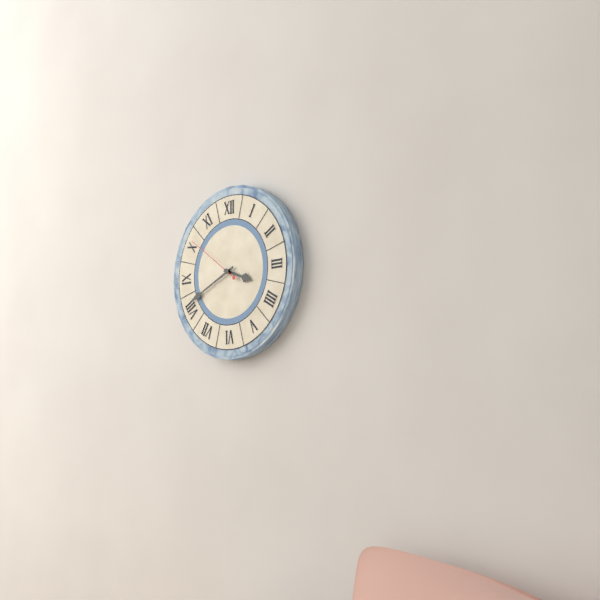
3:41:51
